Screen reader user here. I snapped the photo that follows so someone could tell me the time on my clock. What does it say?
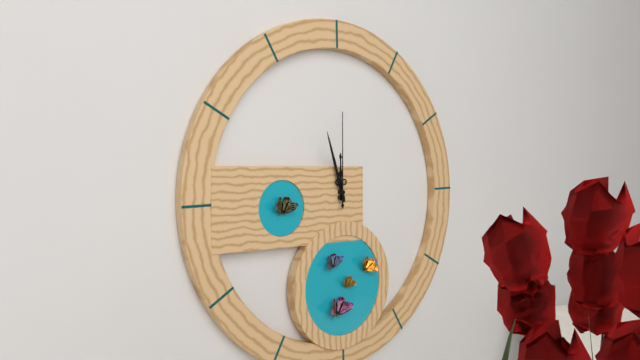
11:57:00
